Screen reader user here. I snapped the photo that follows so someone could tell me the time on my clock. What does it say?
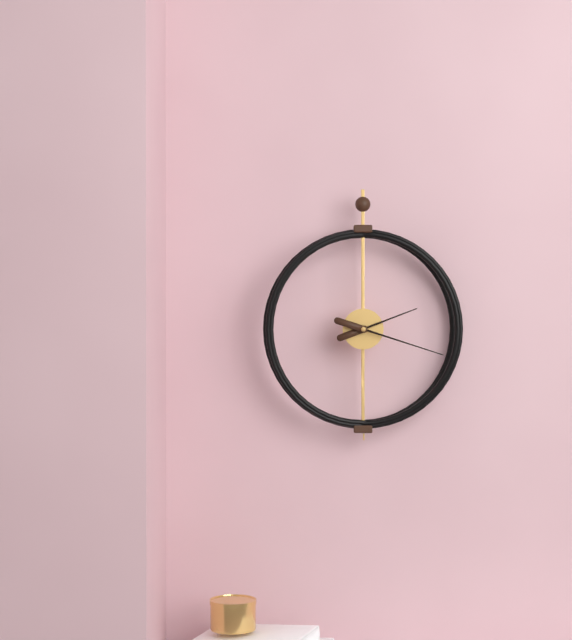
2:18
